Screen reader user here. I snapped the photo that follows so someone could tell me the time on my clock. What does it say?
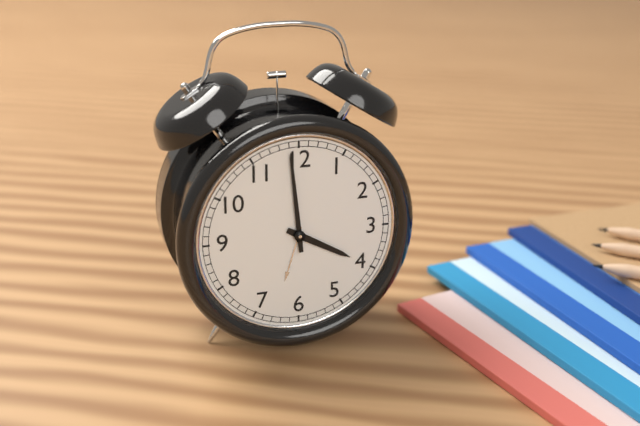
3:59
